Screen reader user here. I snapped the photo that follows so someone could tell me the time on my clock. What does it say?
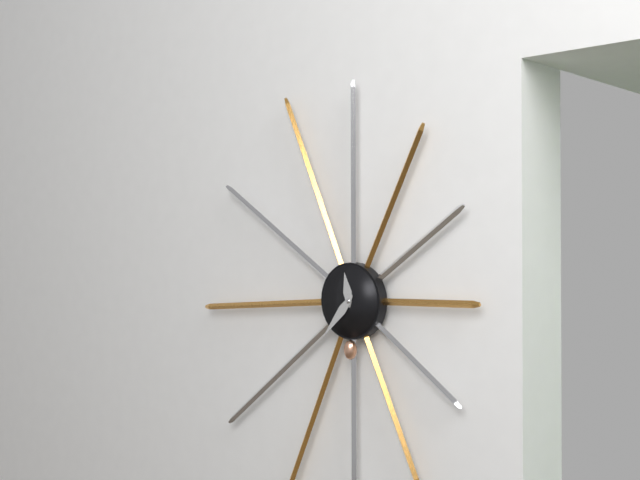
11:37
